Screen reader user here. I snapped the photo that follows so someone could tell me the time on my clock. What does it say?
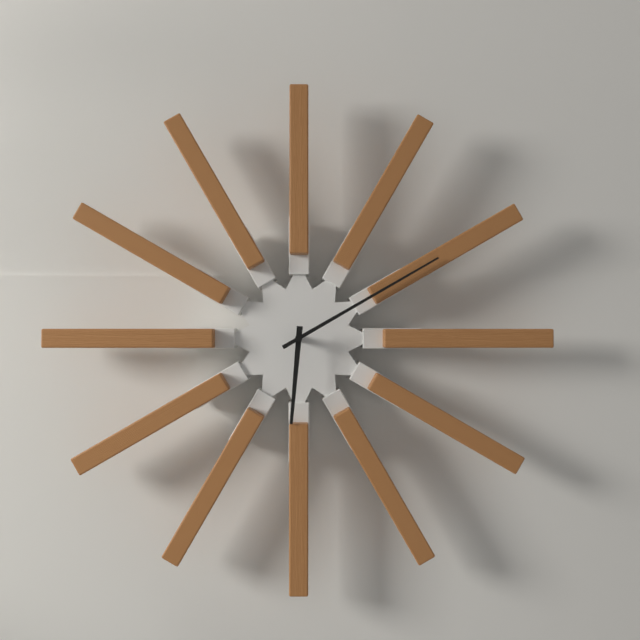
6:10
